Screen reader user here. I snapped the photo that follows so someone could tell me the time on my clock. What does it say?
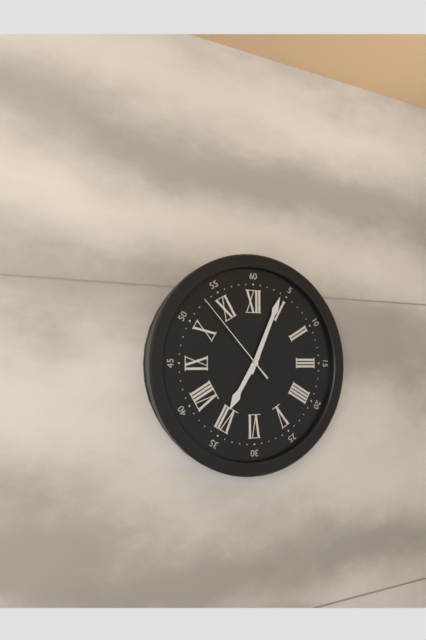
7:04:53
